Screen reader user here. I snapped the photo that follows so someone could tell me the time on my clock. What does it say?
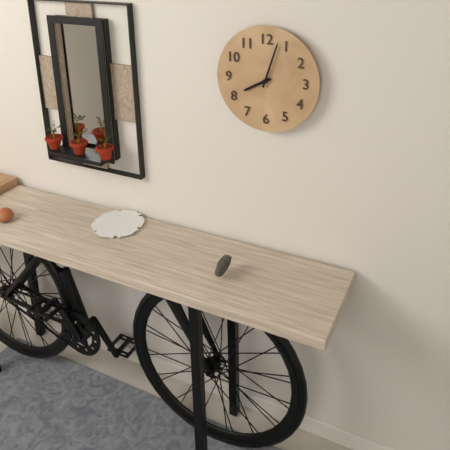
8:03
